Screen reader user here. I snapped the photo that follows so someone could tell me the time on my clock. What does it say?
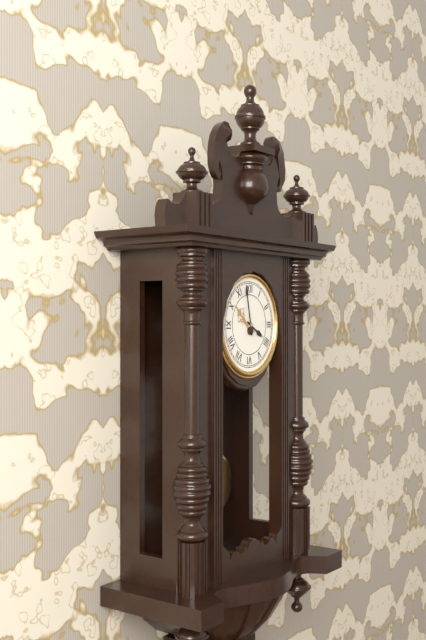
3:58
